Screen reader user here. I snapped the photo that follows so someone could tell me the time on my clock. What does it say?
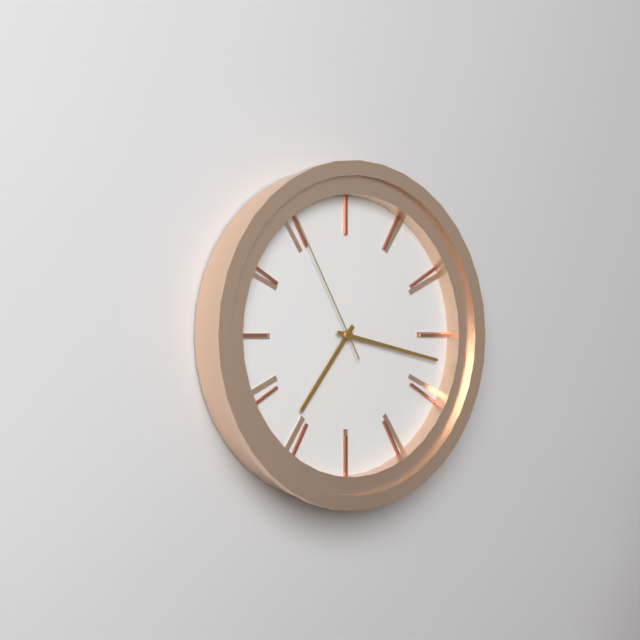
7:17:55
